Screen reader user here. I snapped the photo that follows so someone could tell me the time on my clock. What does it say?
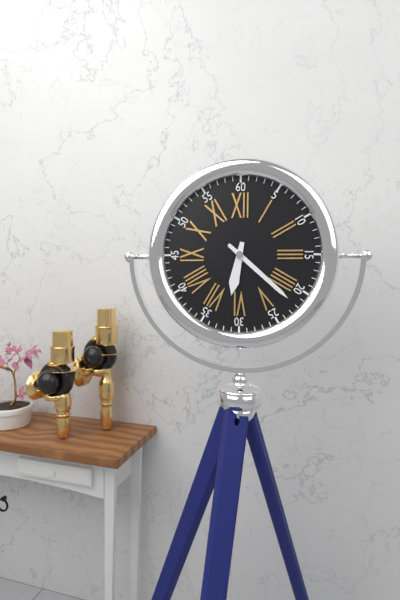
6:22
